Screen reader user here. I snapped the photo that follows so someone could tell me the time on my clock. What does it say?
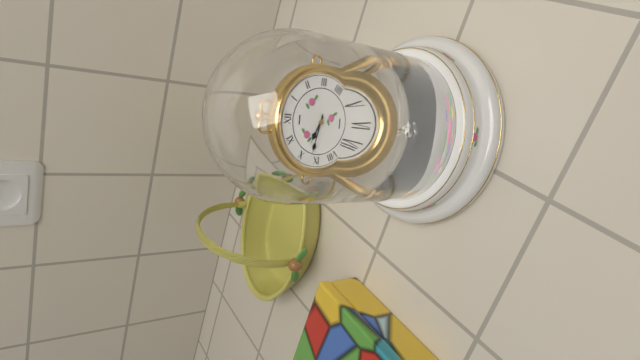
9:47
